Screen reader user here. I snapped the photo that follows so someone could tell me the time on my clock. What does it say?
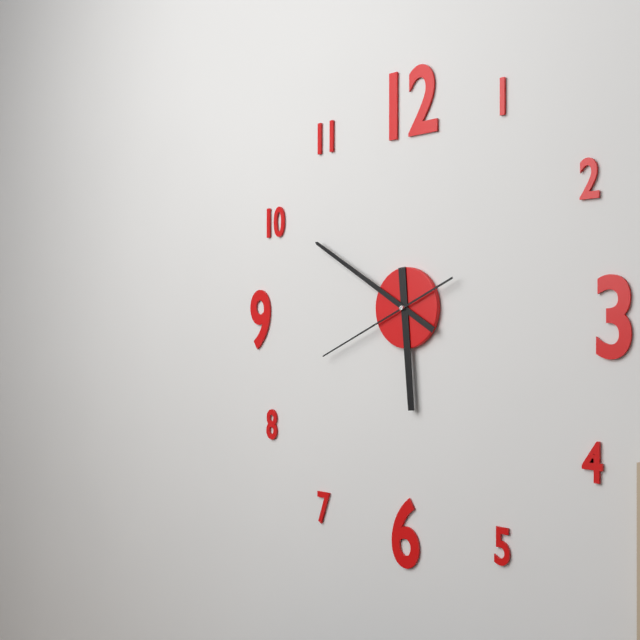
5:50:41
